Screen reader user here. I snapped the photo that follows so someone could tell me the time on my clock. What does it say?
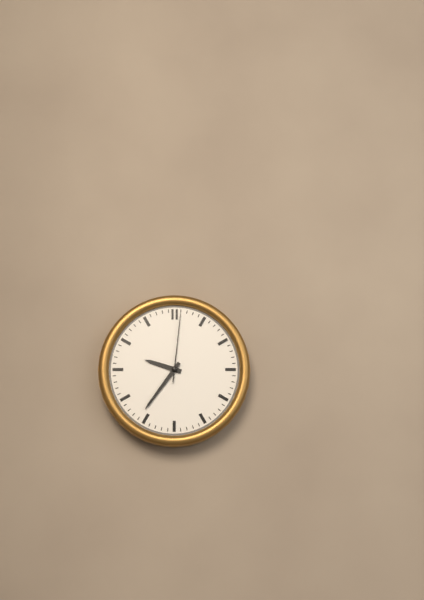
9:36:01
